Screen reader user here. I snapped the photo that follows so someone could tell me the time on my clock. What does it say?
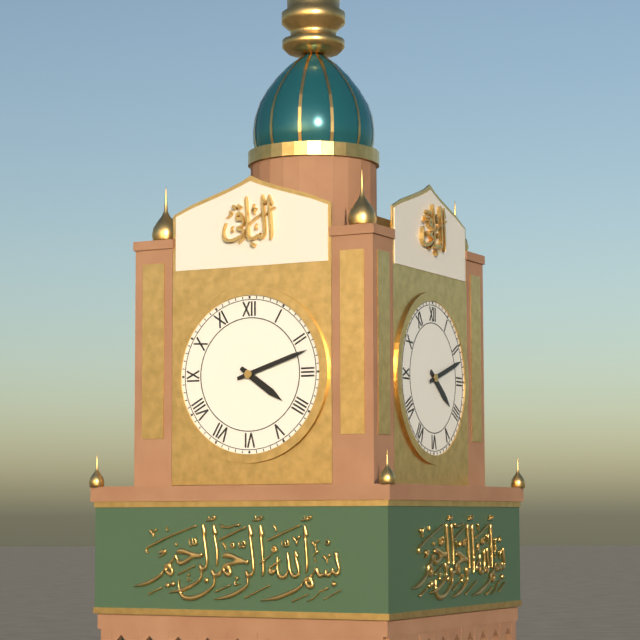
4:12
